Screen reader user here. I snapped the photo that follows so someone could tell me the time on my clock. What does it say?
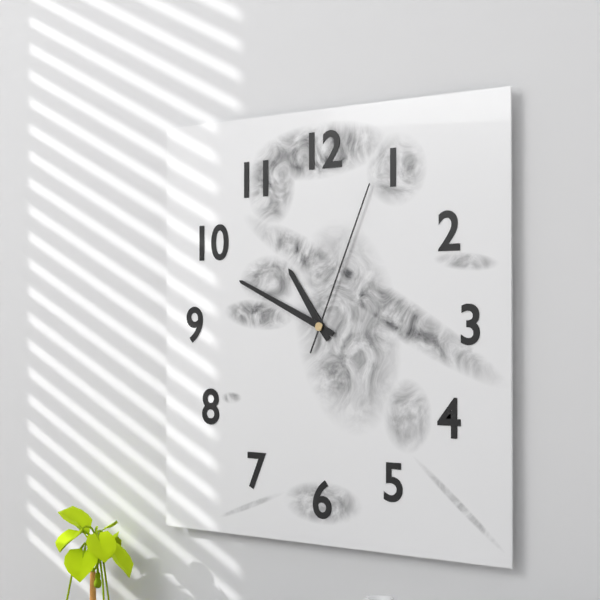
10:49:04
